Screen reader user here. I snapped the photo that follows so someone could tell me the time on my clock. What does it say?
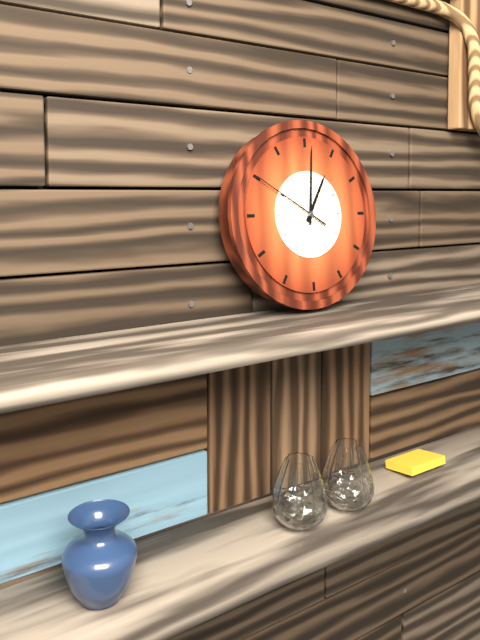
1:01:50
